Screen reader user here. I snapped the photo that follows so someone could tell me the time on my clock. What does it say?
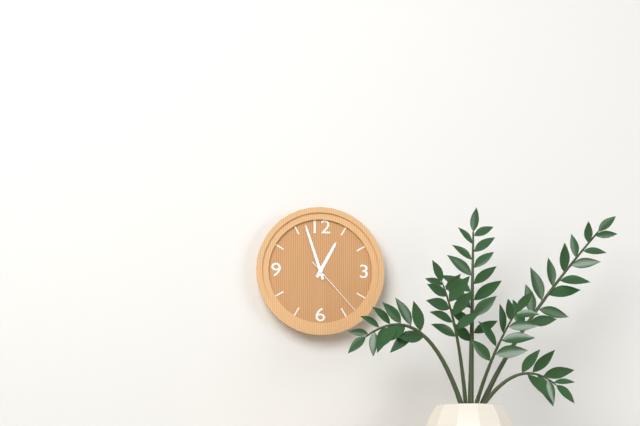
12:57:23
